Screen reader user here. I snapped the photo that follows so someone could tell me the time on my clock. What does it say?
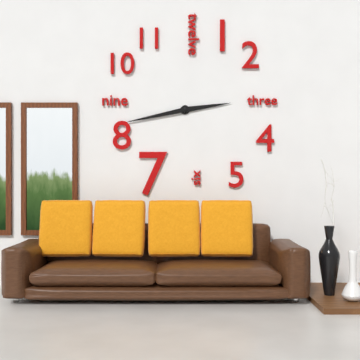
2:43
